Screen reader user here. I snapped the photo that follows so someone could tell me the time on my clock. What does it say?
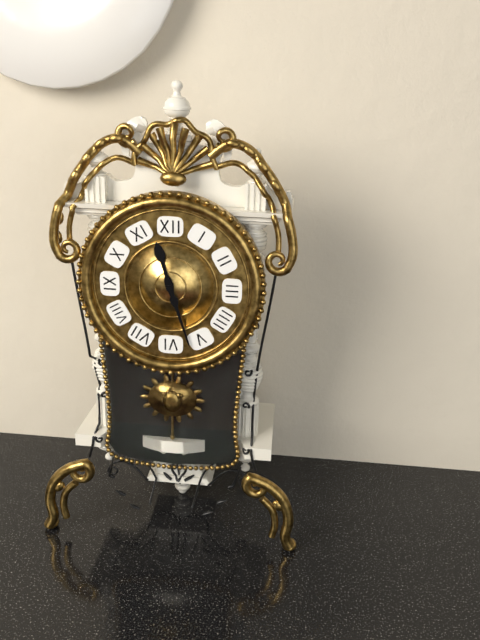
11:27
